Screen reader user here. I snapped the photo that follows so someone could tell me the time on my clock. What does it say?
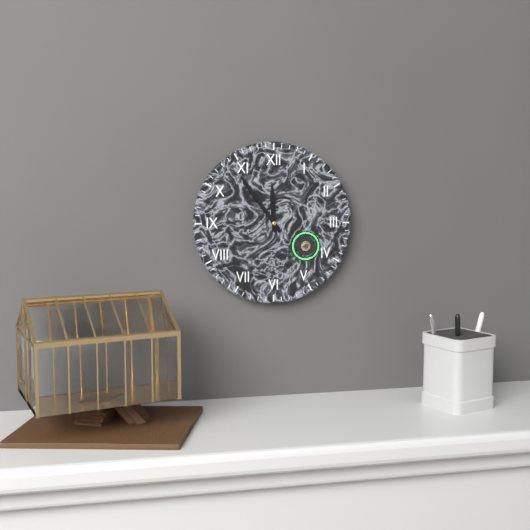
11:54
